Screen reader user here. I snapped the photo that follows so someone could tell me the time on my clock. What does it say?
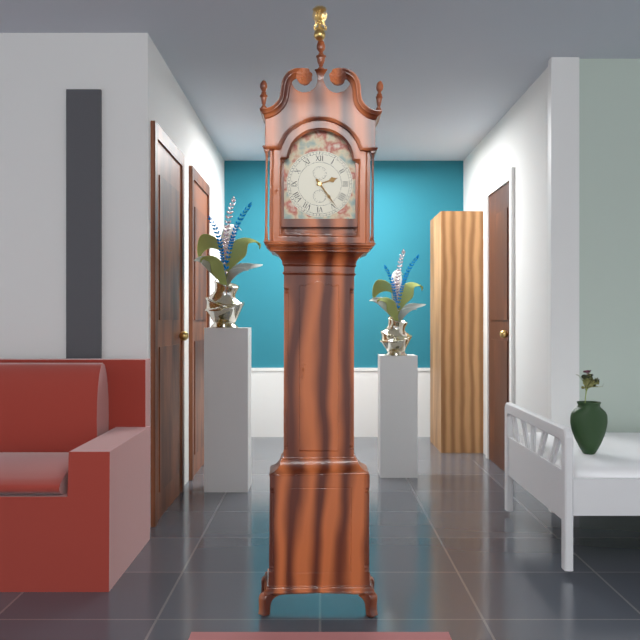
2:24
